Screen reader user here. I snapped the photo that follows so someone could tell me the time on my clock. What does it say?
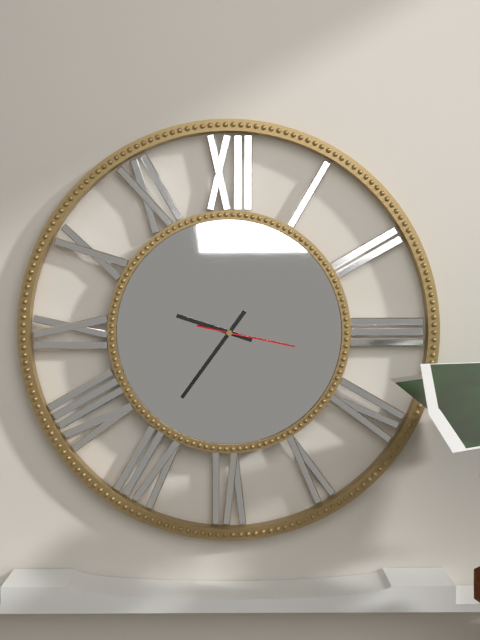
9:36:17
